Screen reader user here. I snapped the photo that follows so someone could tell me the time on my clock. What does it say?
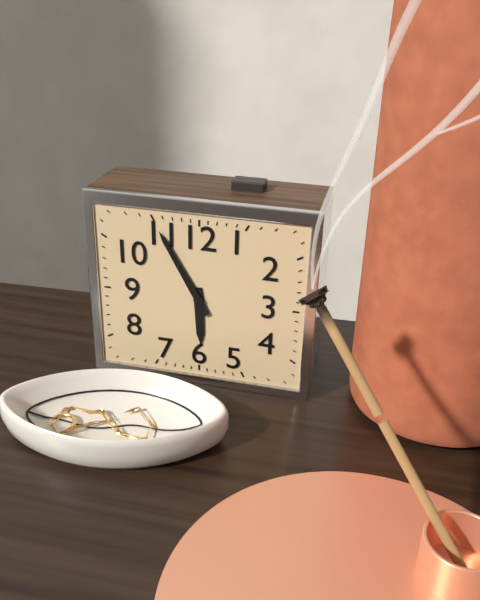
5:55
